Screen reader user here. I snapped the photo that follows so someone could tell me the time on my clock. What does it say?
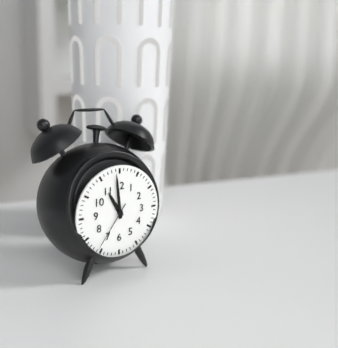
10:59:36
